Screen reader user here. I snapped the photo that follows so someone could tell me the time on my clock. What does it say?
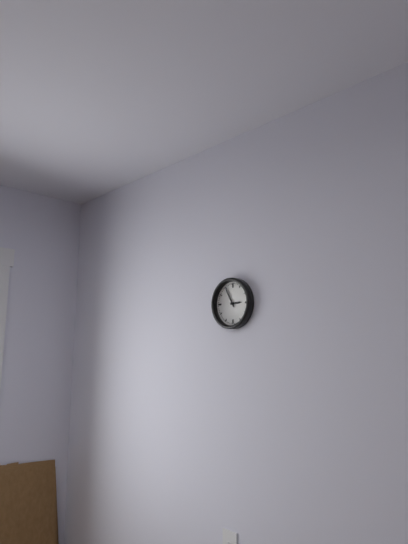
2:55
